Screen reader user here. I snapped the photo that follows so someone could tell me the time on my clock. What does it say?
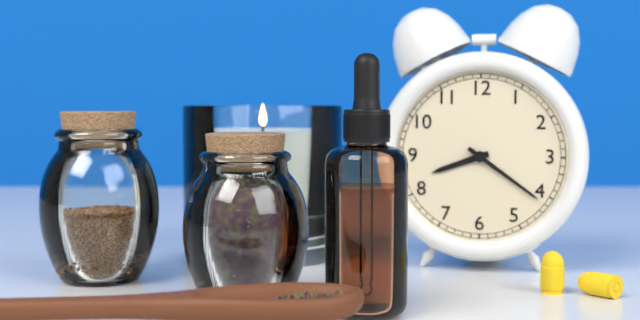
8:21
